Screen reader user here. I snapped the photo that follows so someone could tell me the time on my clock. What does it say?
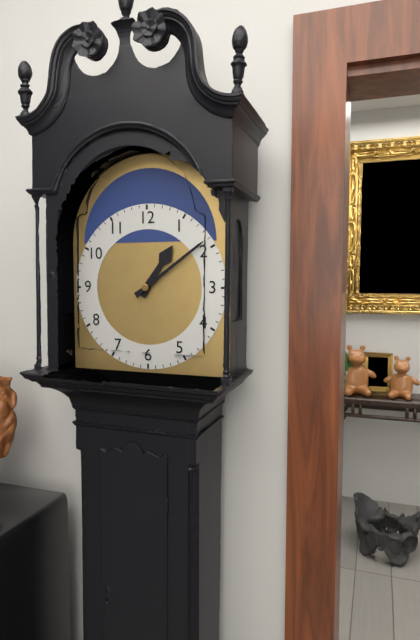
1:09
